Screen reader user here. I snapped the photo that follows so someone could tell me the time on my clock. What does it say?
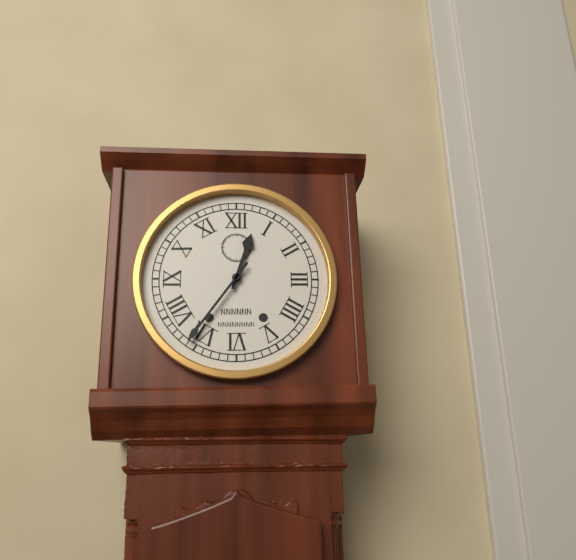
12:36
